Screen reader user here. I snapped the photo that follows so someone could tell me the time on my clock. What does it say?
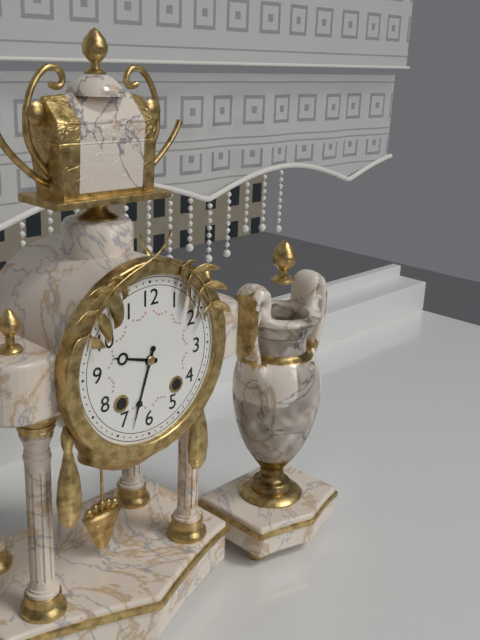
9:33
